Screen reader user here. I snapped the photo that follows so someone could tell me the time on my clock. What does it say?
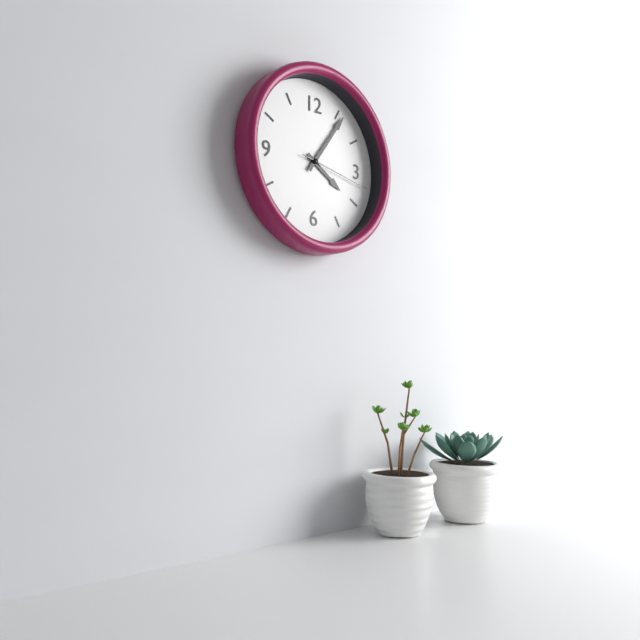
4:06:17
